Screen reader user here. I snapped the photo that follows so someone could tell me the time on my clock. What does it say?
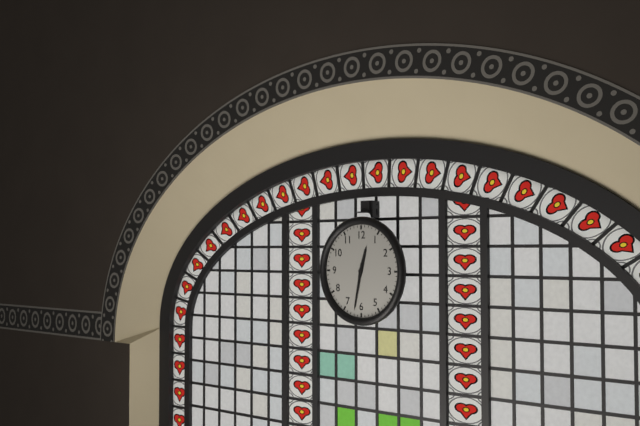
12:32
